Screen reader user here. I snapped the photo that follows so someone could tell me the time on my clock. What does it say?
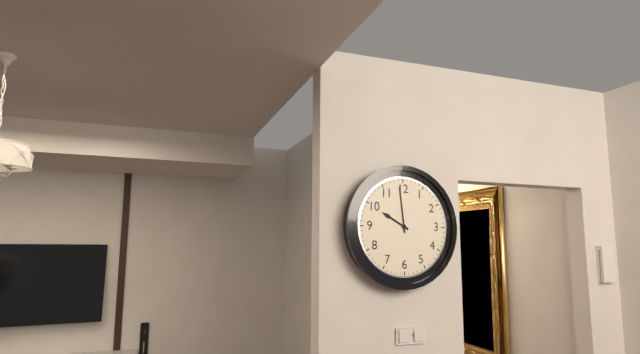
9:59
